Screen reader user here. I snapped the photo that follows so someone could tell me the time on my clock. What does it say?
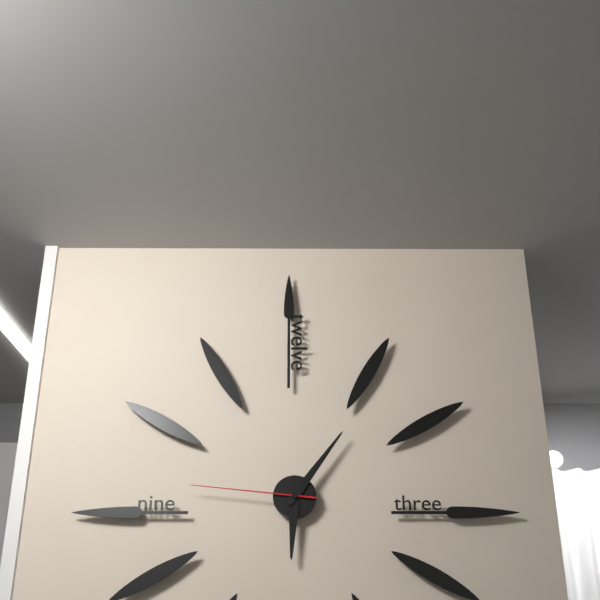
6:06:46
